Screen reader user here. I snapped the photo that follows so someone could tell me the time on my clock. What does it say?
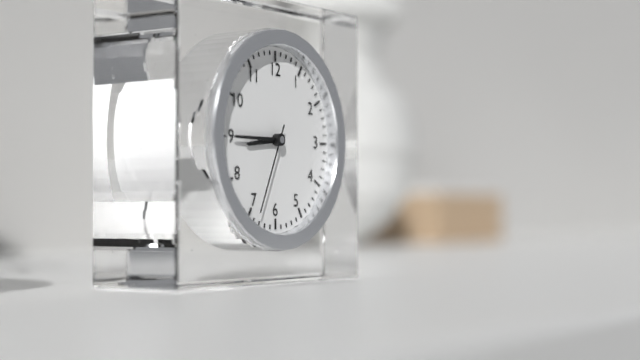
8:45:34
